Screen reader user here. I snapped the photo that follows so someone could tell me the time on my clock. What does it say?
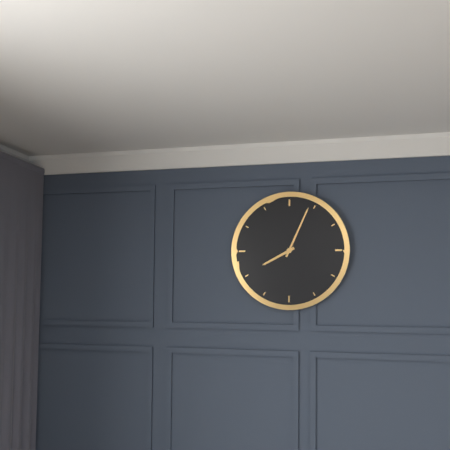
8:04
